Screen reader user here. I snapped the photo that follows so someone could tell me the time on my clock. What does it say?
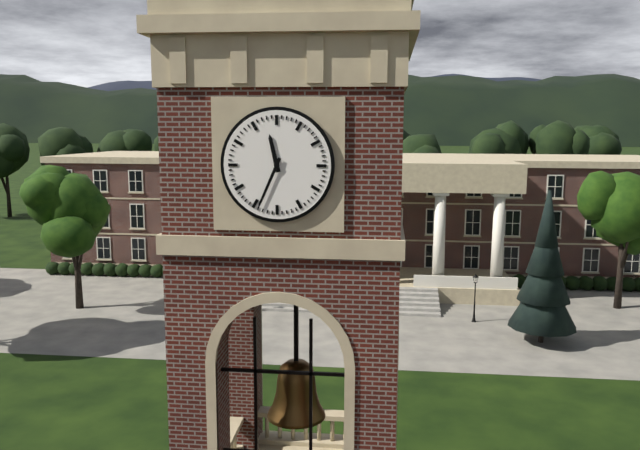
11:34
